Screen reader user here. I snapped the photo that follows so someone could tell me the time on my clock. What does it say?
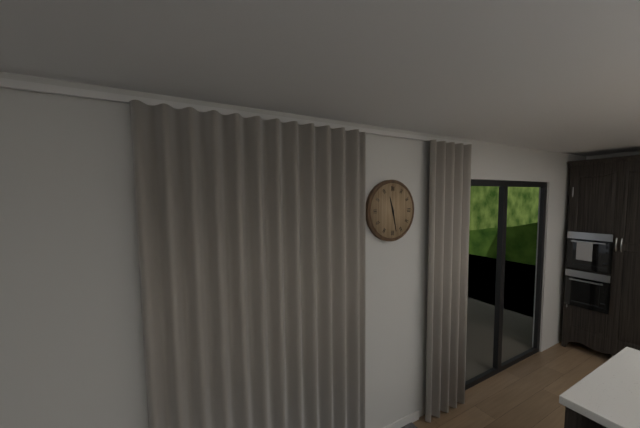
11:28
